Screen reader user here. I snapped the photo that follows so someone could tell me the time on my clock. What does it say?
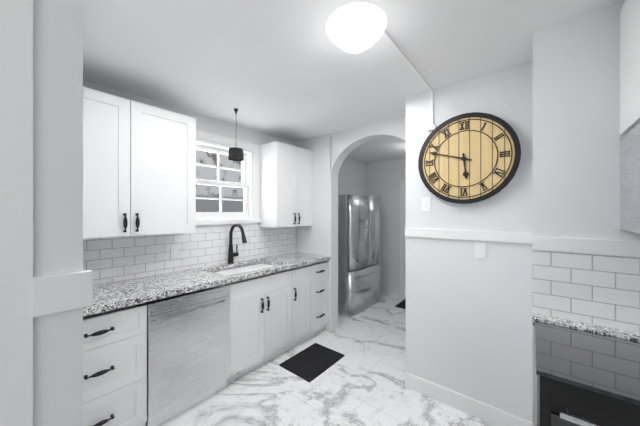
5:48
